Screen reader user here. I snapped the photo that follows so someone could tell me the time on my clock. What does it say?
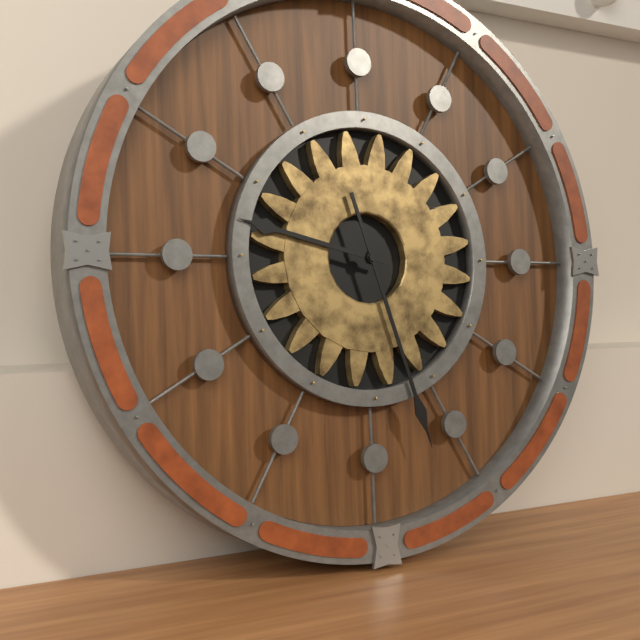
9:27
